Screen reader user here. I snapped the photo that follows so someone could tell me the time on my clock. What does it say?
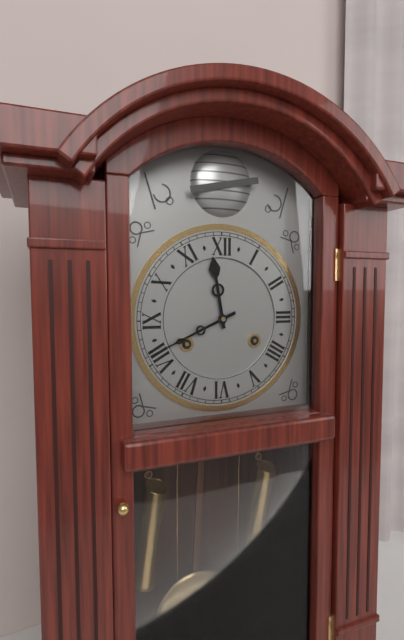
11:41
